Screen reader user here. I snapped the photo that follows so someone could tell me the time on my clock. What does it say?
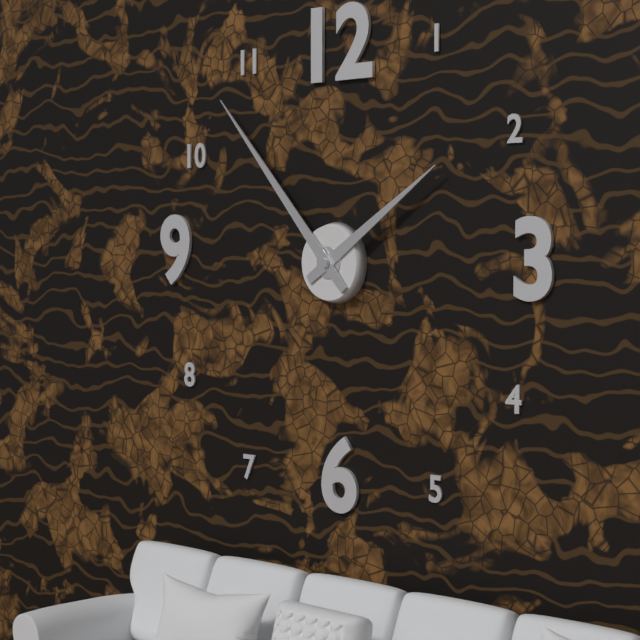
1:53
